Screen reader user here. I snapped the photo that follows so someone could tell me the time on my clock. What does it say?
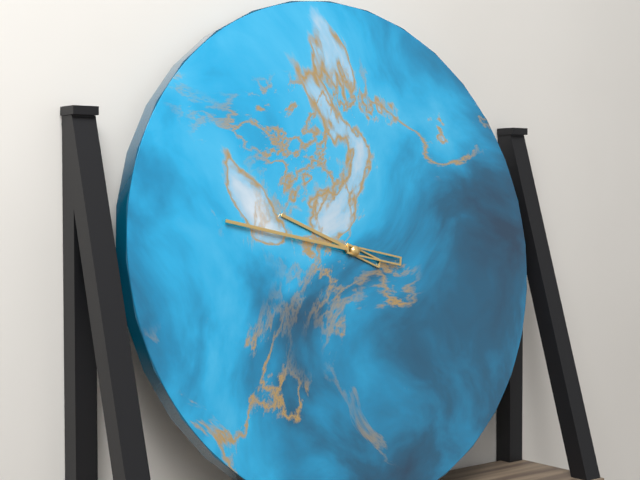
9:47
